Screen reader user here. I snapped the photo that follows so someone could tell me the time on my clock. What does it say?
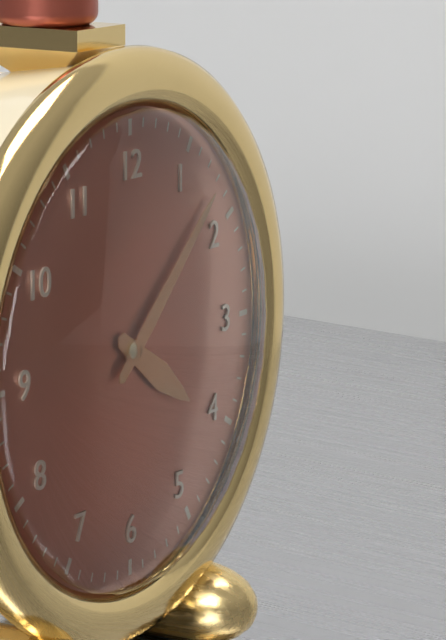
4:08
